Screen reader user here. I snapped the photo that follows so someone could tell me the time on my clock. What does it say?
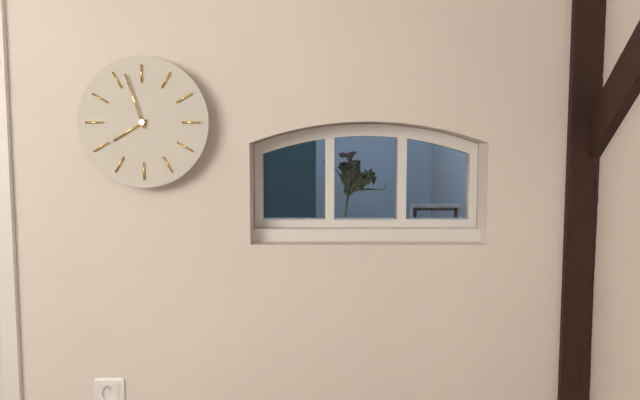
7:57
